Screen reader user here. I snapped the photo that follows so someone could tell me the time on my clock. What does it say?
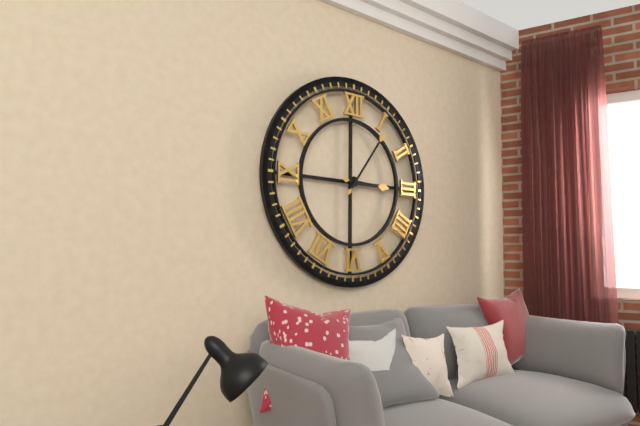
3:06
